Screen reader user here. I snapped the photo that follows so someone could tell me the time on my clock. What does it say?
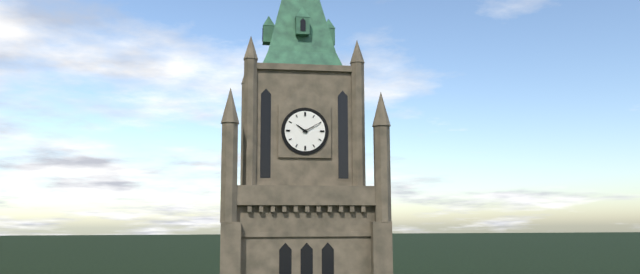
10:10
